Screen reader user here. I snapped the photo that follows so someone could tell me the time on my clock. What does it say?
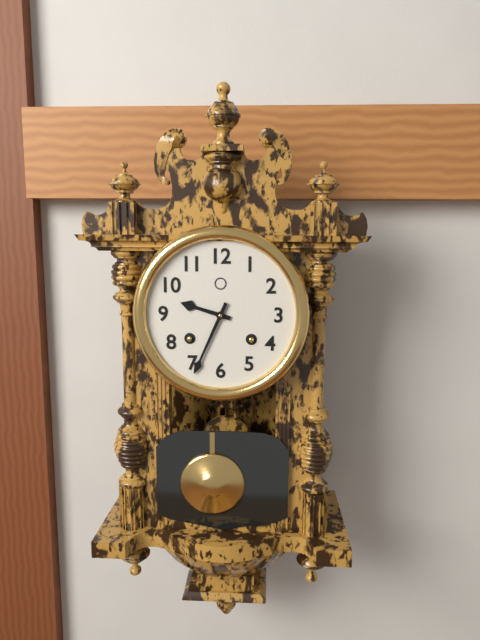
9:34
